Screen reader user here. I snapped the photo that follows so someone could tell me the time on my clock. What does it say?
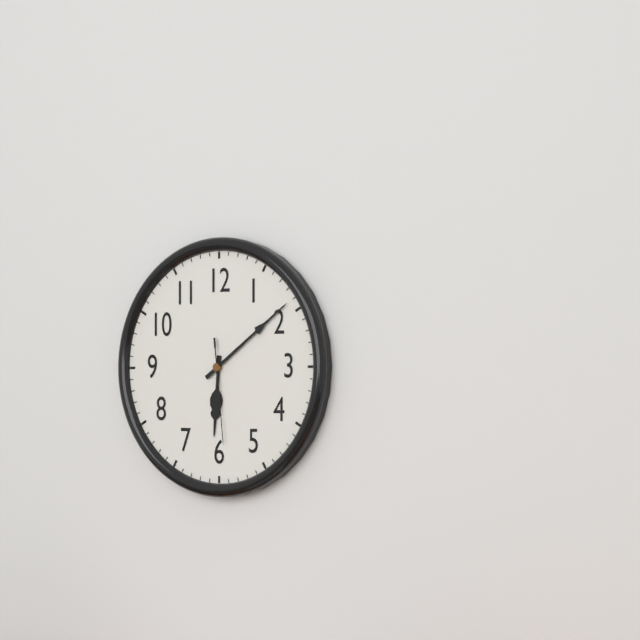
6:09:29
